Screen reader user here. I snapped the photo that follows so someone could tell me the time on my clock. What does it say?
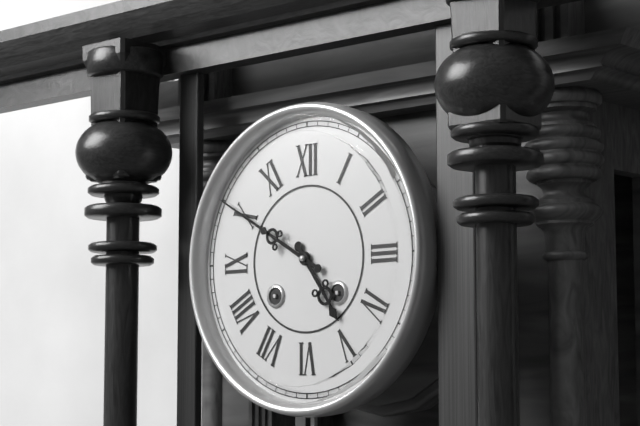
4:50
